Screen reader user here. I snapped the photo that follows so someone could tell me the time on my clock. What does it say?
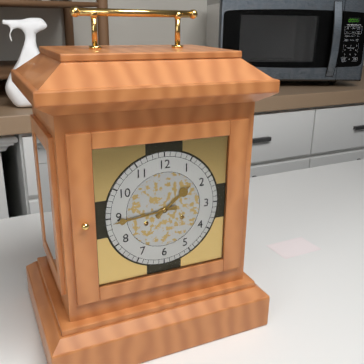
1:44
